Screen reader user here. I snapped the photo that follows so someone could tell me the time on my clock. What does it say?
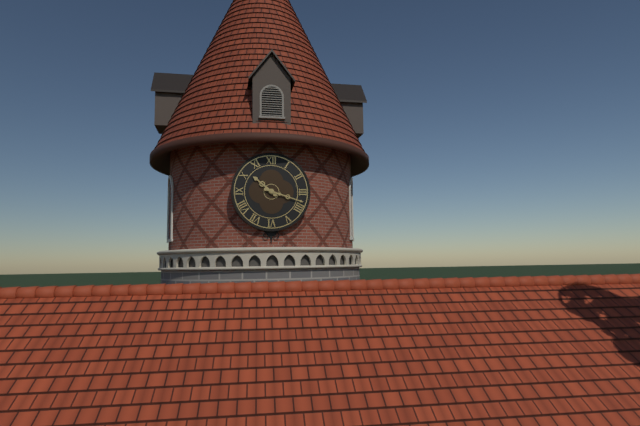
10:18
